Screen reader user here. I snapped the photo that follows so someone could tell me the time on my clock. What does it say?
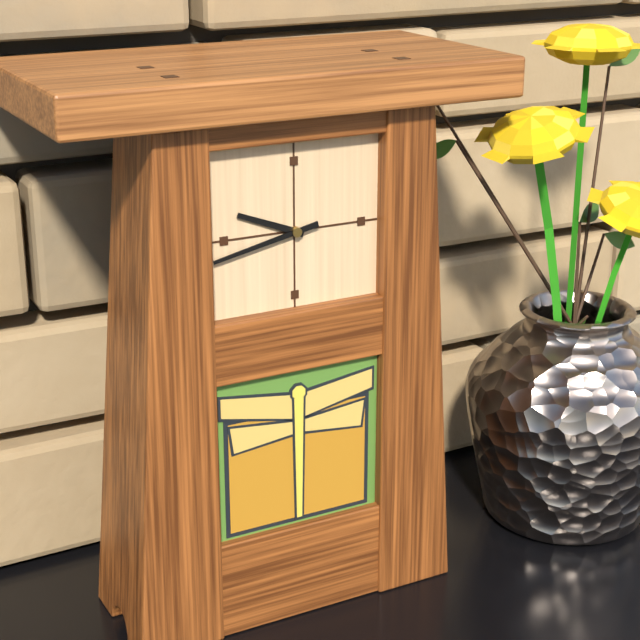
9:43
